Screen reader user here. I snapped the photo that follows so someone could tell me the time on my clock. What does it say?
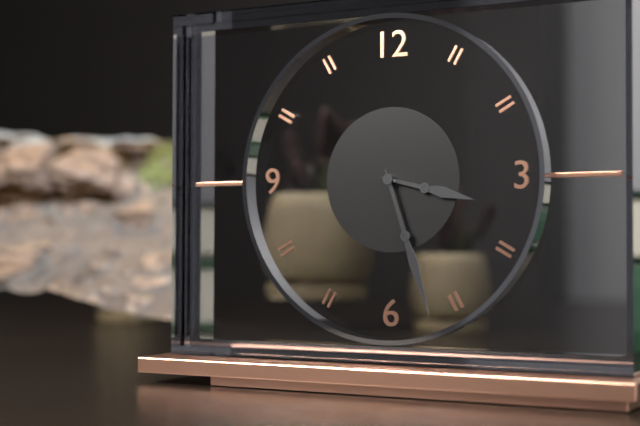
3:27
